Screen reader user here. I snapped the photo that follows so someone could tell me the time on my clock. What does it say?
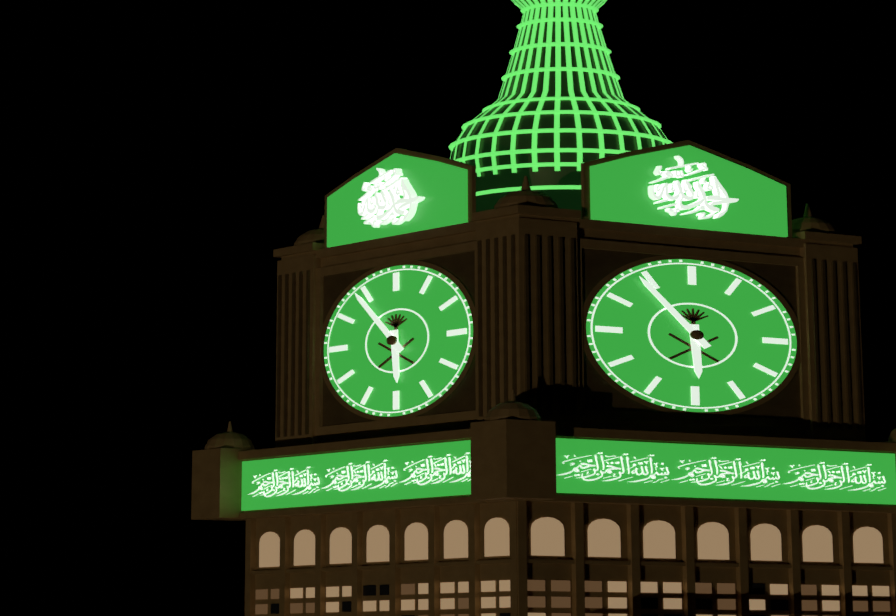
5:54
